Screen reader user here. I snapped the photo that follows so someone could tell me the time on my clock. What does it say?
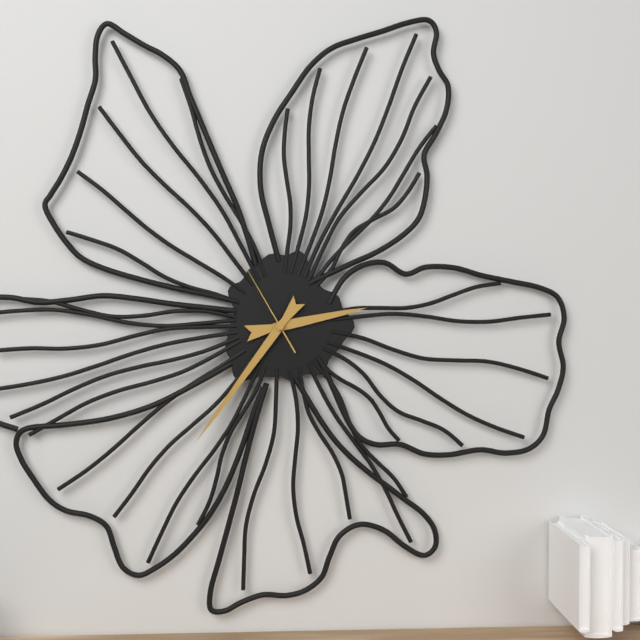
2:36:55
